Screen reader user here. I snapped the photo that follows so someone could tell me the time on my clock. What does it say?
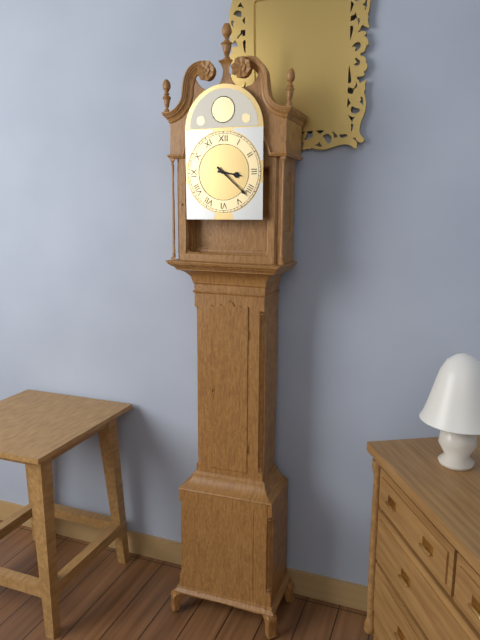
3:22
